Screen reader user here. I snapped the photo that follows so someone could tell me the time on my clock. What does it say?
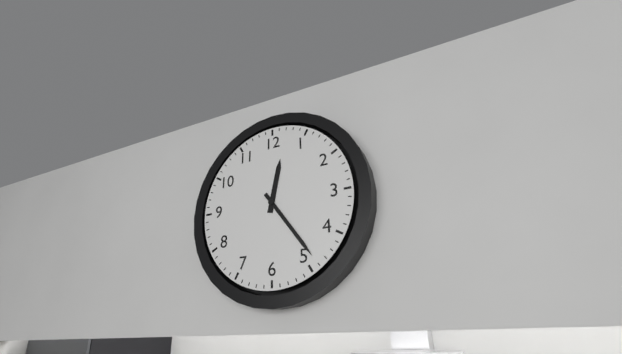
12:24
